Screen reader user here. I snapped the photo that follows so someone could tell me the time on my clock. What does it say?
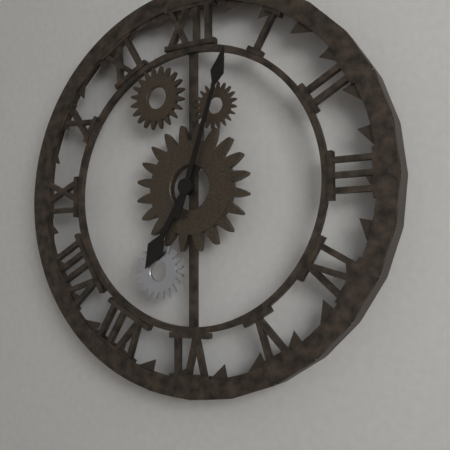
7:03
